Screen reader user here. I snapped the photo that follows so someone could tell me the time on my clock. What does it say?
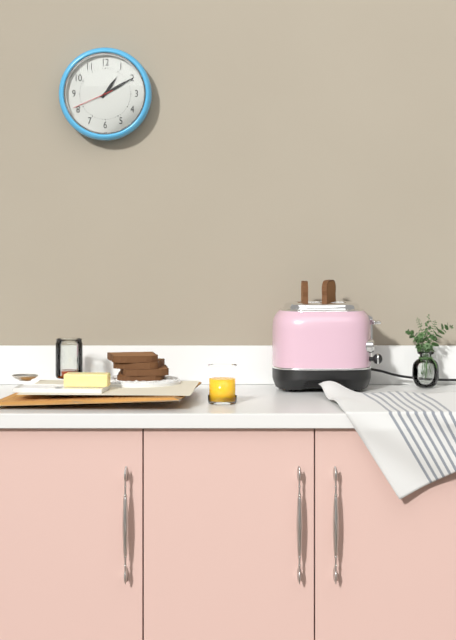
1:10
